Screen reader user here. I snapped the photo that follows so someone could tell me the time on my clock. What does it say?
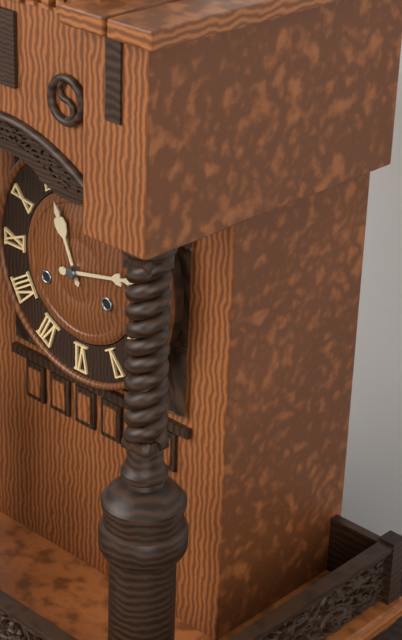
11:13
